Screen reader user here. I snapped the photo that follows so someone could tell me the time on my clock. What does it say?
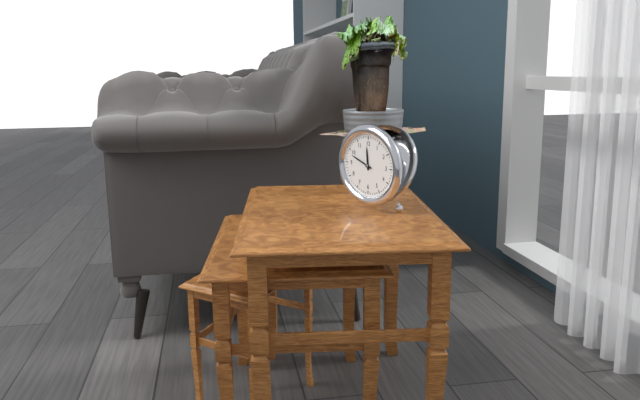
11:48
